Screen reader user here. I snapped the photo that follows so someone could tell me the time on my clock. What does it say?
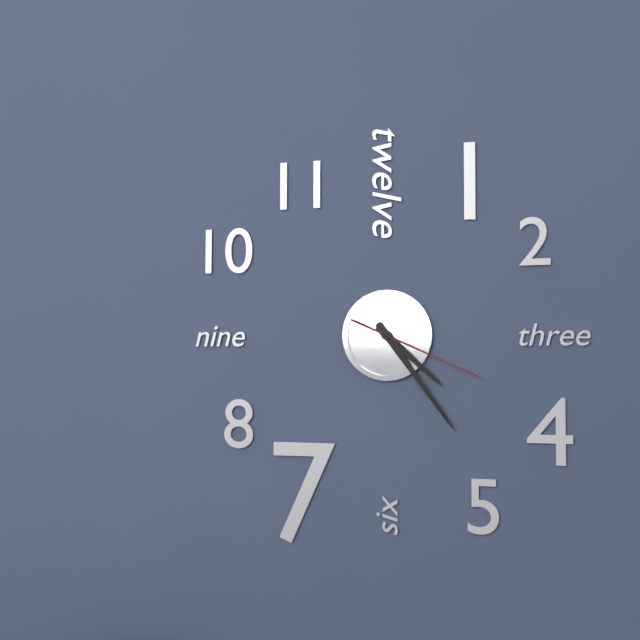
4:24:19
